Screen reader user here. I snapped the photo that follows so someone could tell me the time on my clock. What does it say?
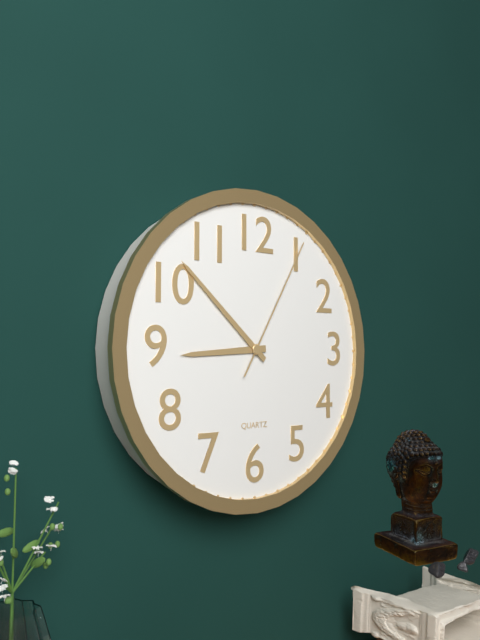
8:52:05
